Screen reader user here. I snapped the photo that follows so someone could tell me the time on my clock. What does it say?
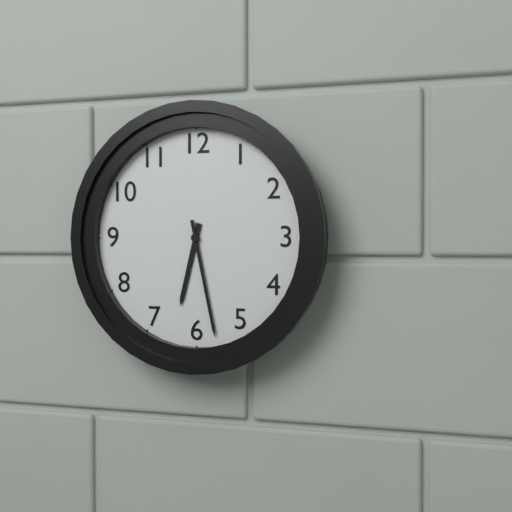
6:28
